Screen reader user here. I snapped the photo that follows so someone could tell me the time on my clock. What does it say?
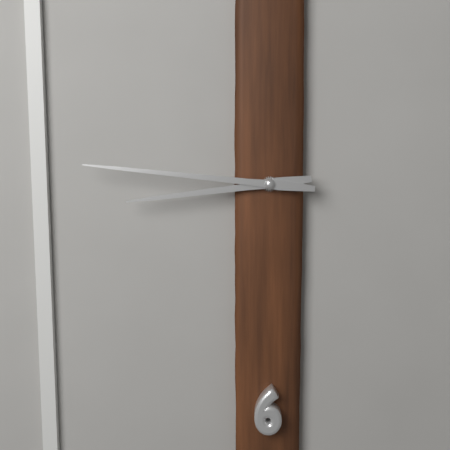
8:46
